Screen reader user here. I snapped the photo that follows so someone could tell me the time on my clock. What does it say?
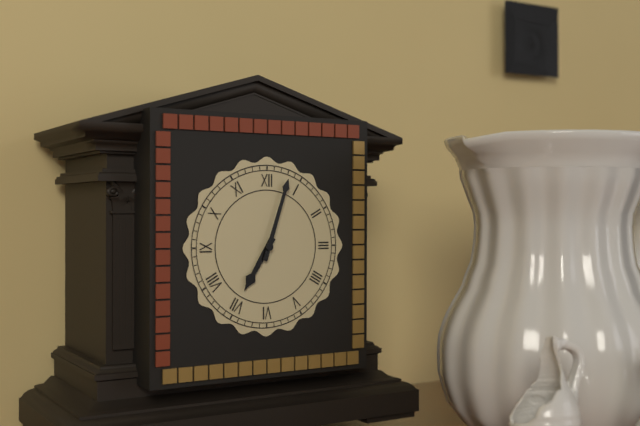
7:03
